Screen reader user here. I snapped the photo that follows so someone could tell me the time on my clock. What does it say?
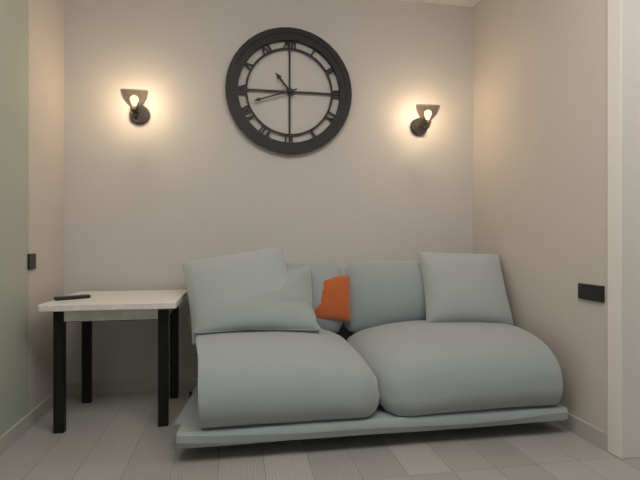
10:42
